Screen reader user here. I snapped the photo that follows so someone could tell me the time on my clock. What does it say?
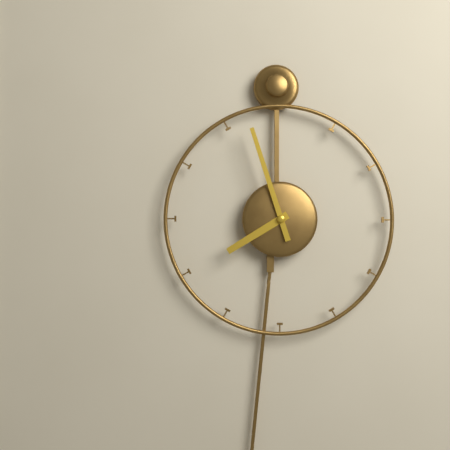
7:57
